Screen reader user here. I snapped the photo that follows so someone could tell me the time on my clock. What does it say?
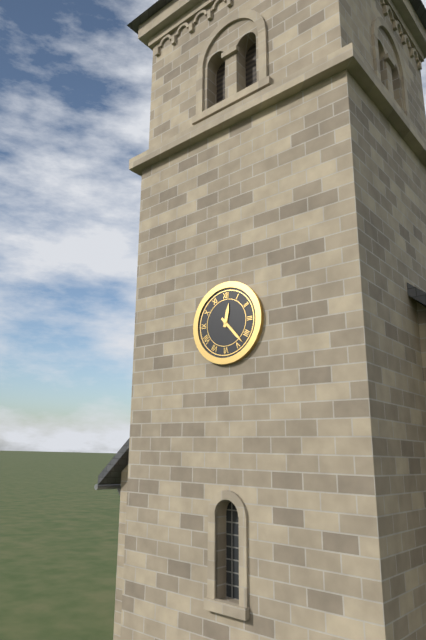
12:23
